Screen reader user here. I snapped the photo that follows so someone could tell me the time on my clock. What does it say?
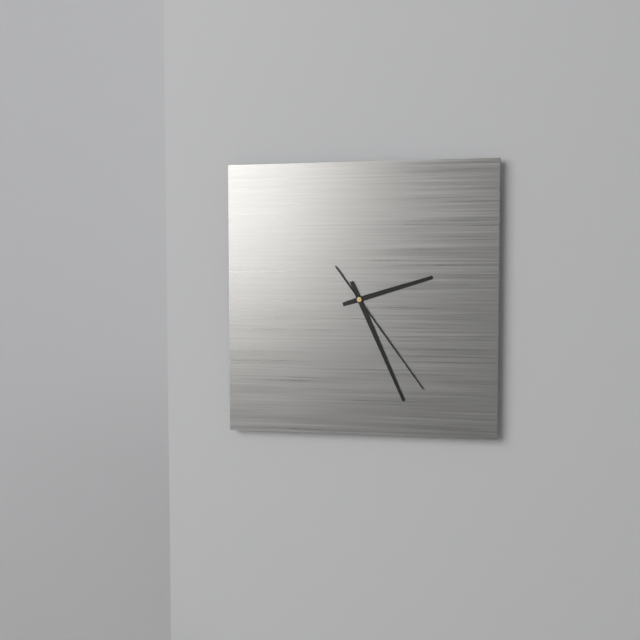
2:26:24
